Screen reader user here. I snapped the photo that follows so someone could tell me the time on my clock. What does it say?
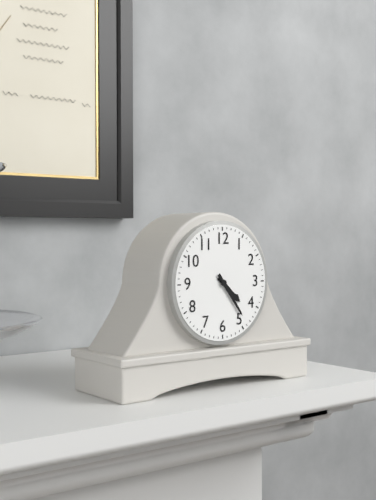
4:24
